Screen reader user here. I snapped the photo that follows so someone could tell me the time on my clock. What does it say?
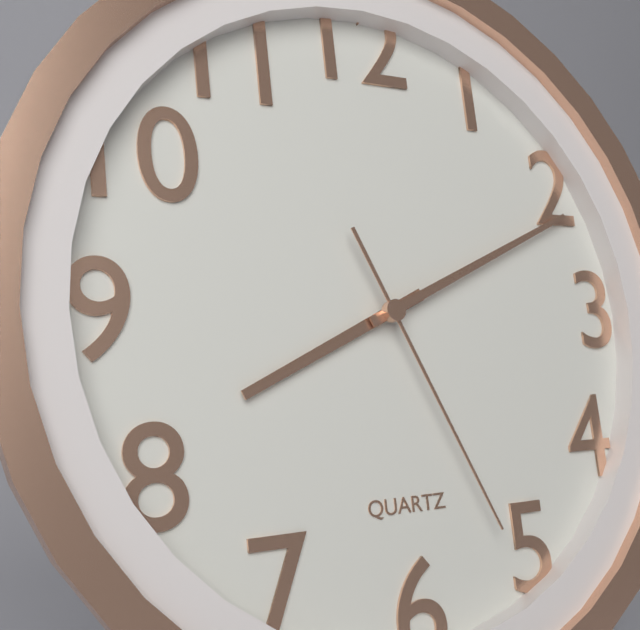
8:11:26
